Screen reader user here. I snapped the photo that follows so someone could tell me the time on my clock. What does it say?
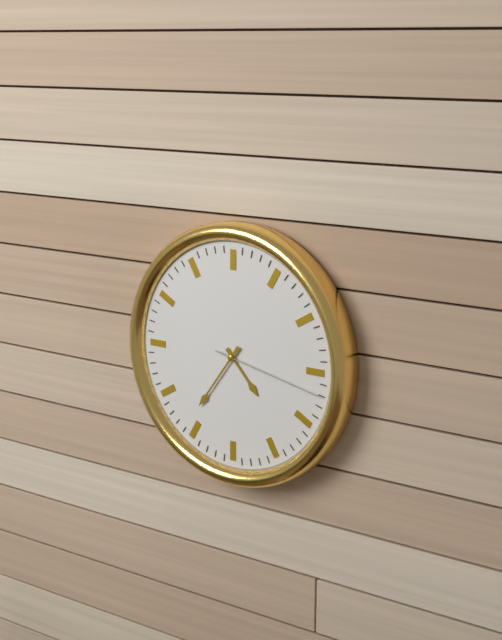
4:36:17
